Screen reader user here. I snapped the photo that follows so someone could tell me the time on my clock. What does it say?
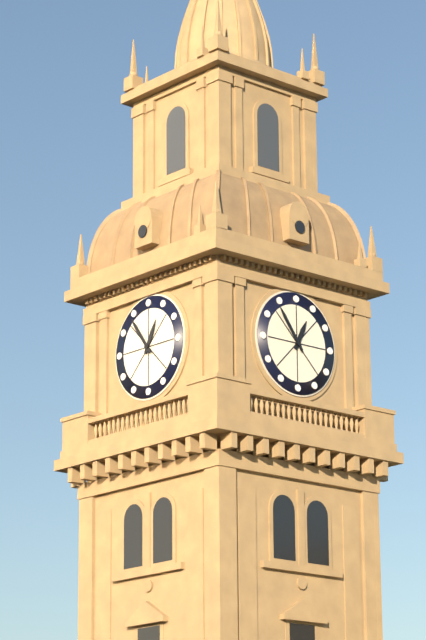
12:54
